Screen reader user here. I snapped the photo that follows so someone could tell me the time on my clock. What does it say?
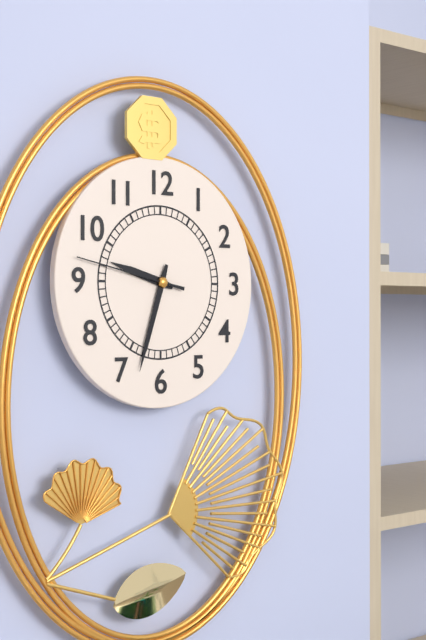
9:33:47
